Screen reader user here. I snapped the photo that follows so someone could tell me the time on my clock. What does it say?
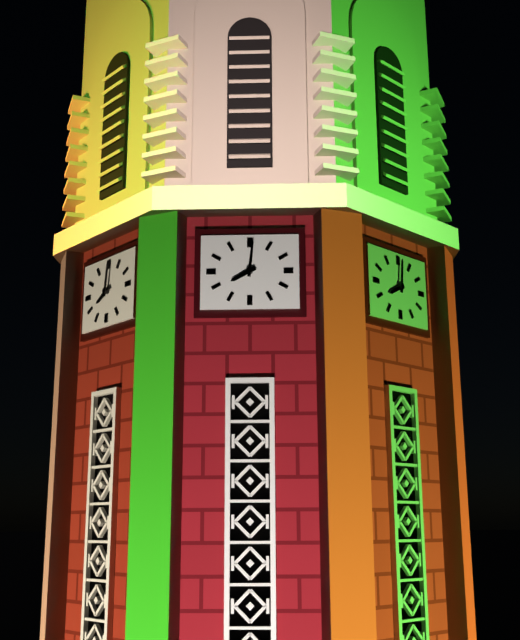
8:01
